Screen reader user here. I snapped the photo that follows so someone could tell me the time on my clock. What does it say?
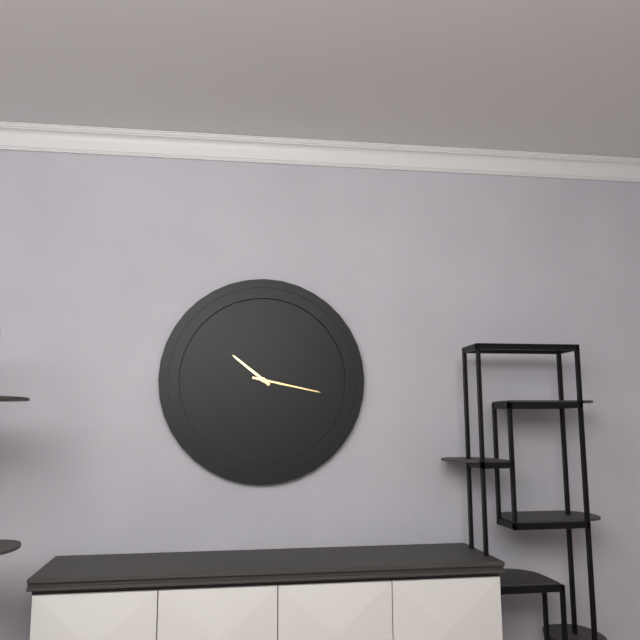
10:17
